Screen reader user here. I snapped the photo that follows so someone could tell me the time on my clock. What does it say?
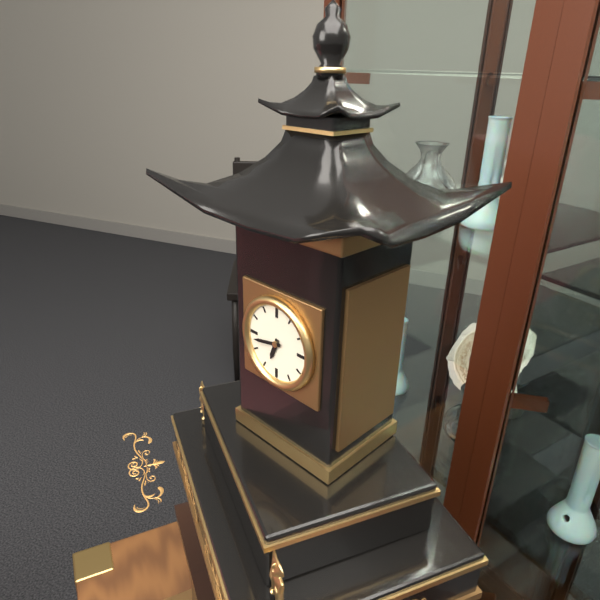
6:43
